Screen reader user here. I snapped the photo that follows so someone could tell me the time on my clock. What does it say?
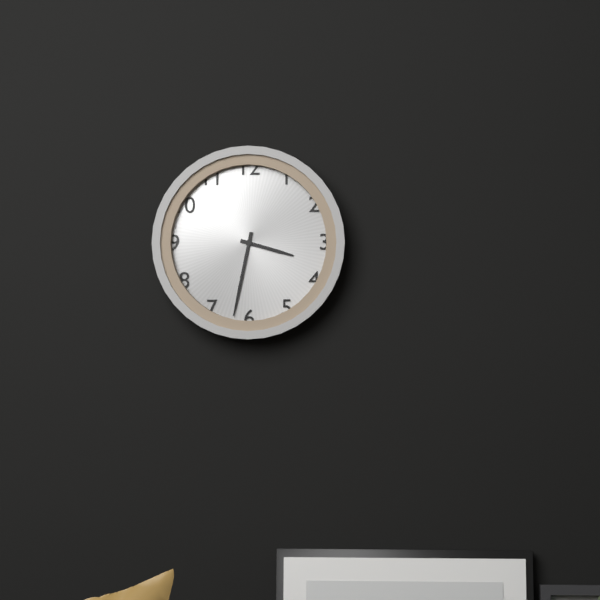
3:32
